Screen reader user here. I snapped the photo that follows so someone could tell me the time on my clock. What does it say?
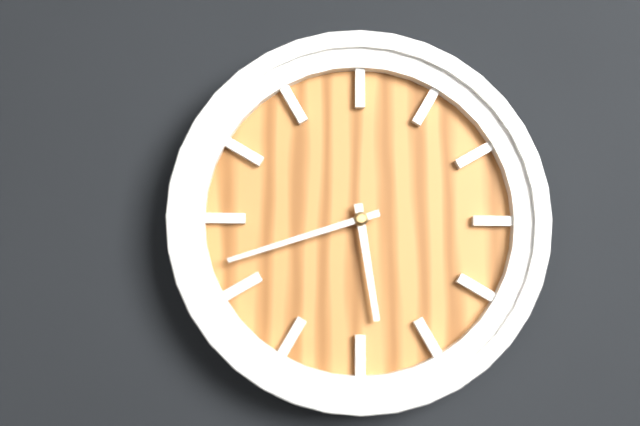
5:42
